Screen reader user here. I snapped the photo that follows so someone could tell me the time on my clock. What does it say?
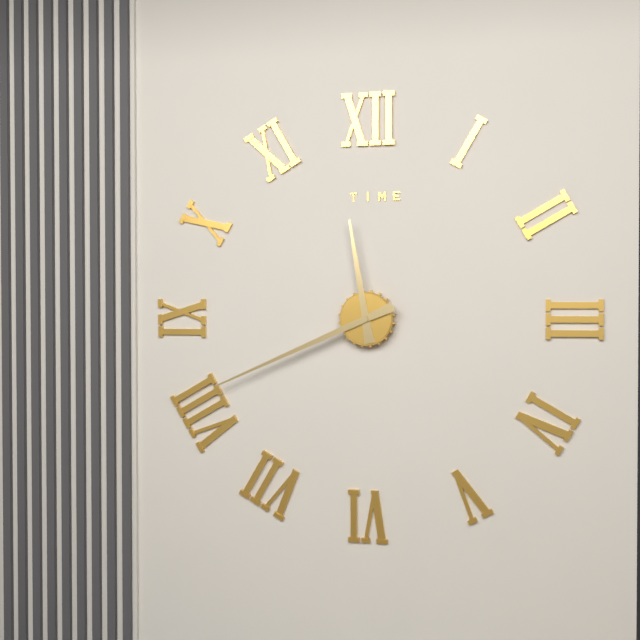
11:41
